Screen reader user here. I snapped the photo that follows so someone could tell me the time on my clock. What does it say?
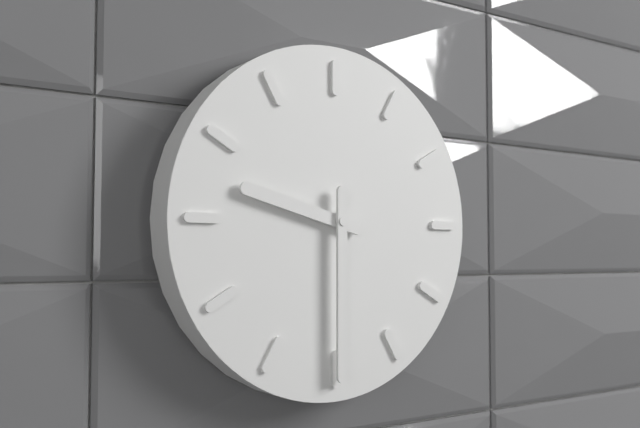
9:30
